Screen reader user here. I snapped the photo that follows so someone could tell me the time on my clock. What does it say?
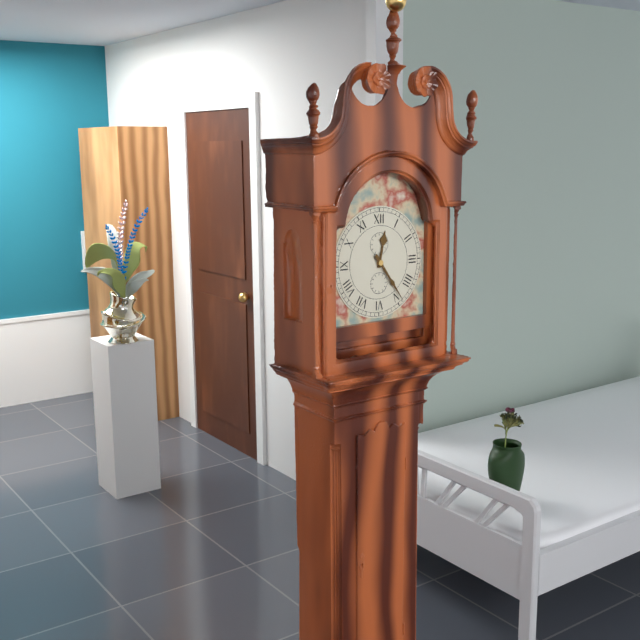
12:24
